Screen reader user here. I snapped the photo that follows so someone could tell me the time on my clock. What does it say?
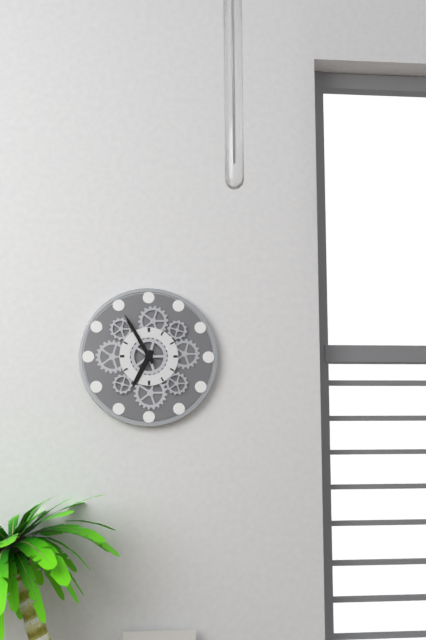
6:55
